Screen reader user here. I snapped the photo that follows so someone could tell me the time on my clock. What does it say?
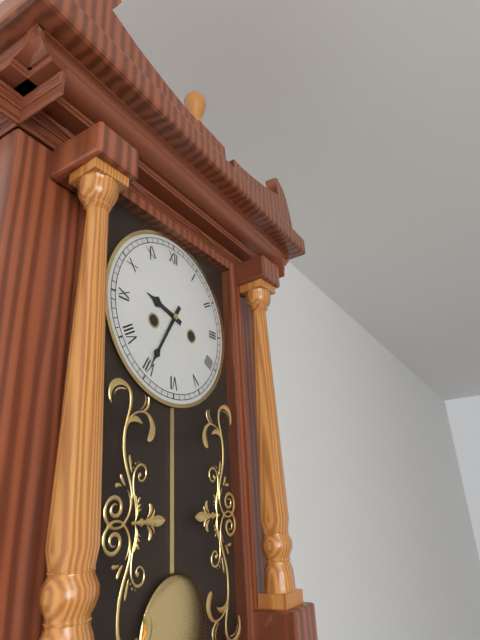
9:35
